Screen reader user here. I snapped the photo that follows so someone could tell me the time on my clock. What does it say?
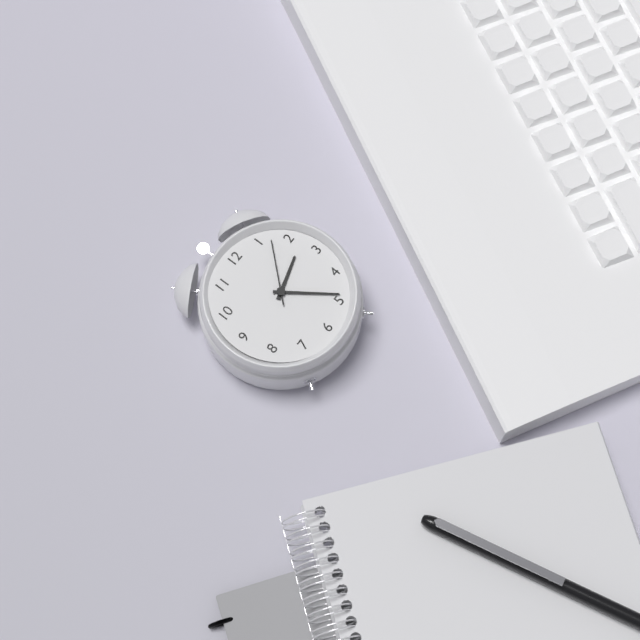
2:24:07
